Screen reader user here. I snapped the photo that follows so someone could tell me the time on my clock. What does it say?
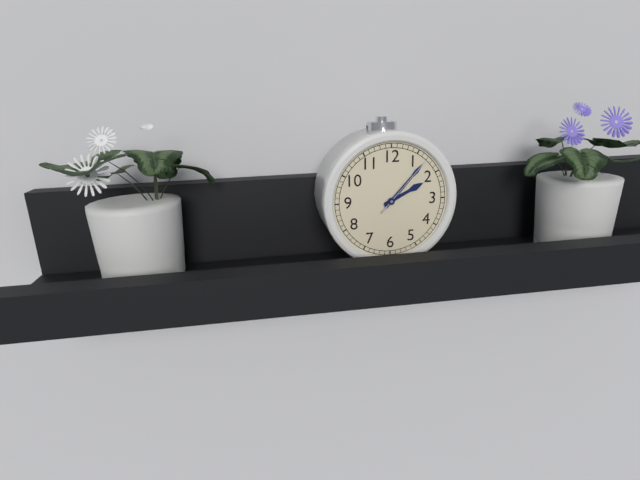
2:07:07
